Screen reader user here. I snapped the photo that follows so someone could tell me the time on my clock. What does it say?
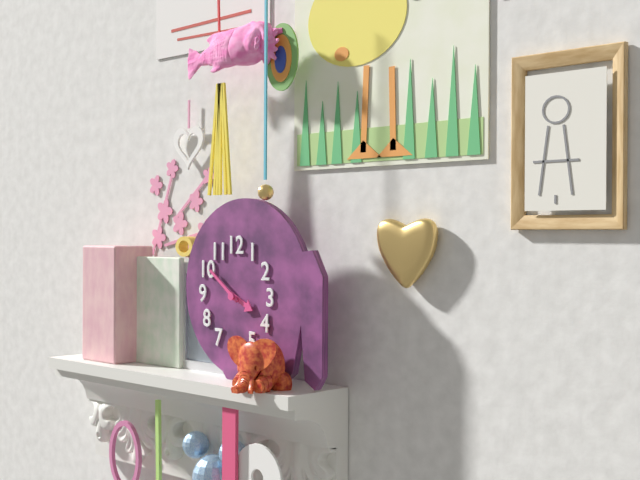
3:51
